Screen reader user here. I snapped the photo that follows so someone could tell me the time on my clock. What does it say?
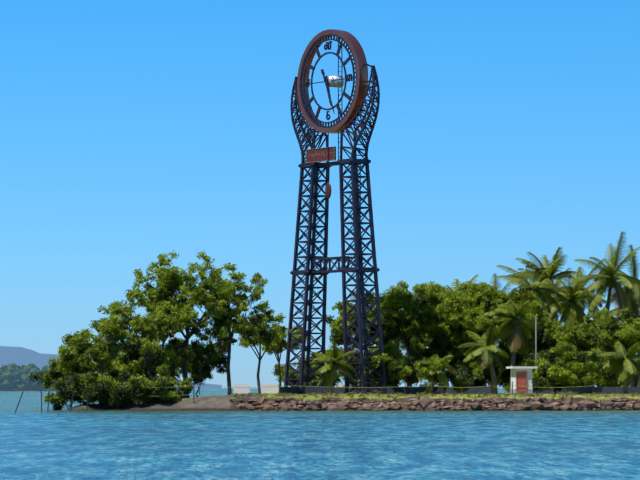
5:26
